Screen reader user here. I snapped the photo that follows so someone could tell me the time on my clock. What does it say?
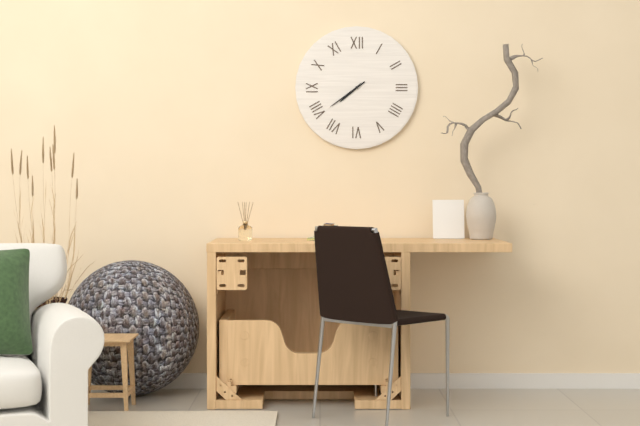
7:39
